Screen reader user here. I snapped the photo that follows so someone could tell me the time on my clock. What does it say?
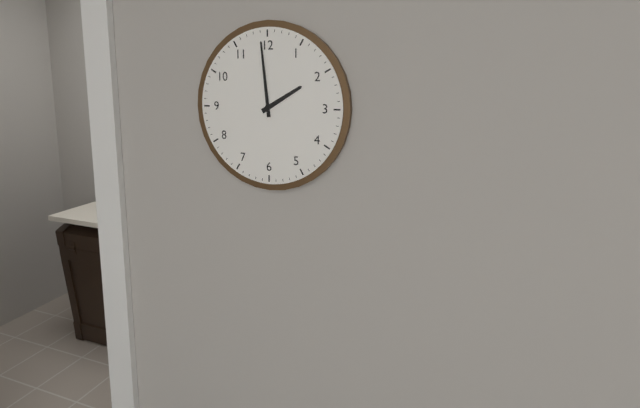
1:59
